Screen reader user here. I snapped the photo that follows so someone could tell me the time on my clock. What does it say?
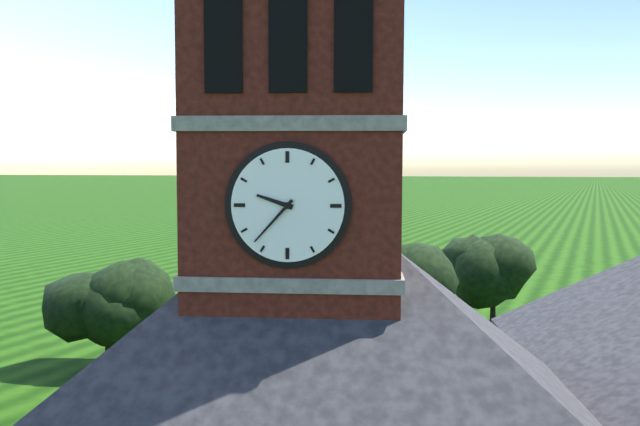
9:37
